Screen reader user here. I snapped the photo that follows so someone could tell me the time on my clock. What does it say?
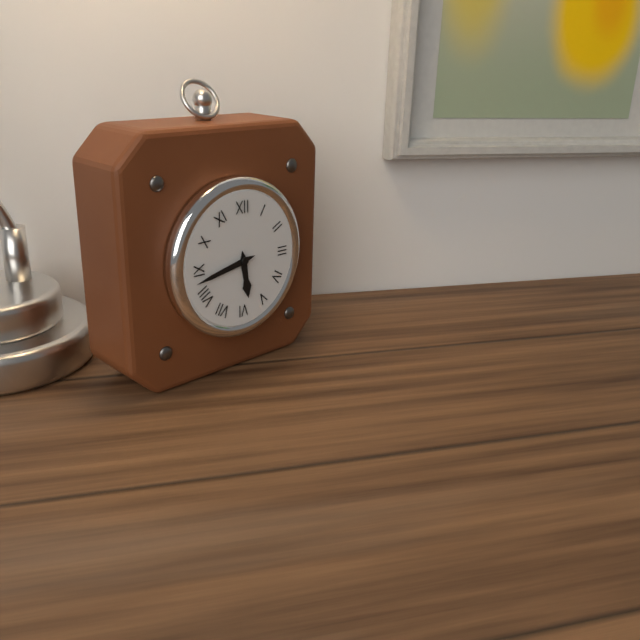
5:43
